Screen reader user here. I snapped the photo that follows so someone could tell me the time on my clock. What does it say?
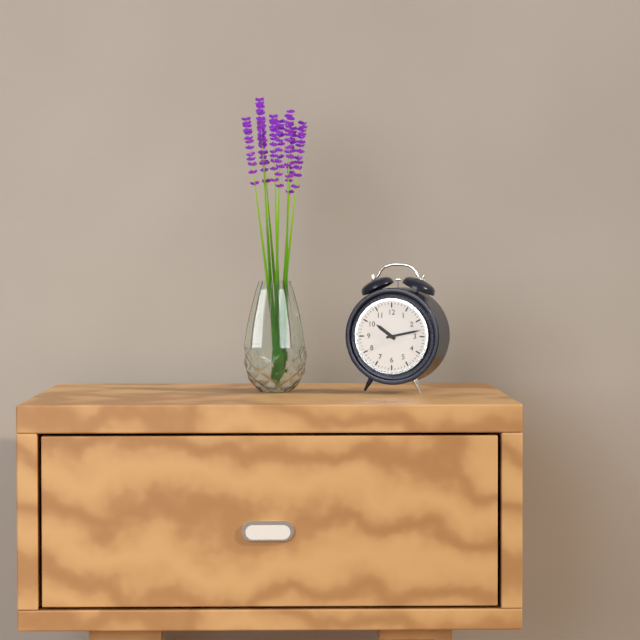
10:13
